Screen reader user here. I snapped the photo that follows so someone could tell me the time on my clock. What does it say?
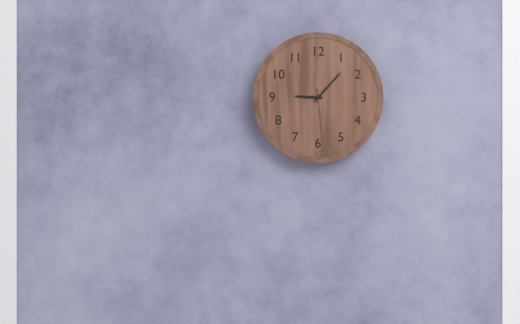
9:07:29
